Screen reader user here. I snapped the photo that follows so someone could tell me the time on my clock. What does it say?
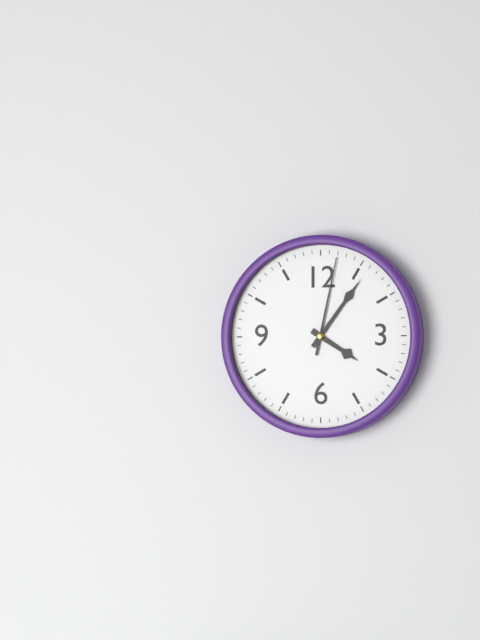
4:06:02
